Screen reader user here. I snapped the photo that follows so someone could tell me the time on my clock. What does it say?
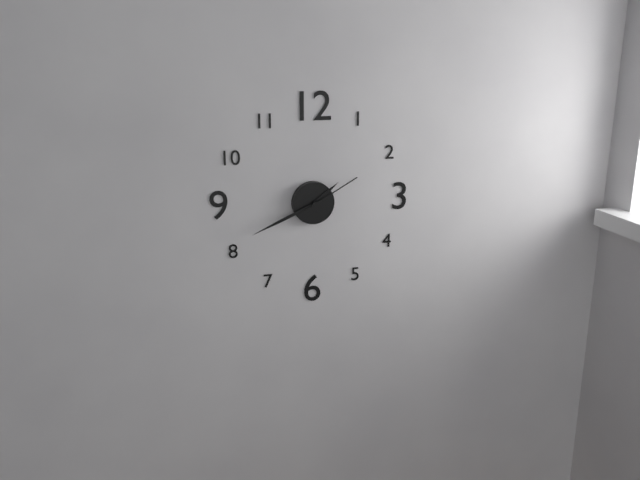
1:41:10
